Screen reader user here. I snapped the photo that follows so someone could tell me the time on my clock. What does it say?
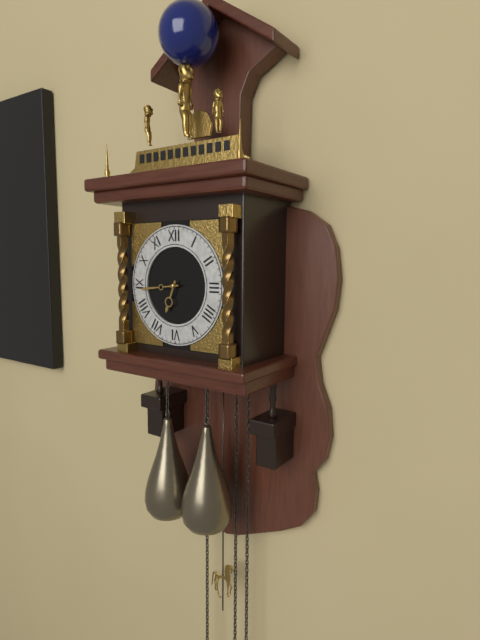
6:44
